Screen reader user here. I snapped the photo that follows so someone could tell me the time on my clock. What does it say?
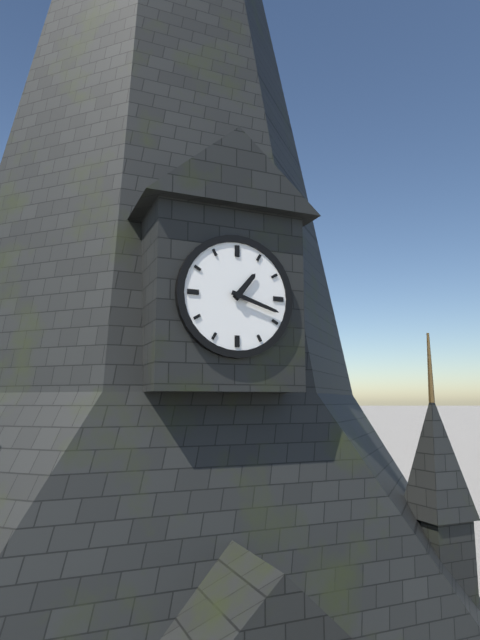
1:18
